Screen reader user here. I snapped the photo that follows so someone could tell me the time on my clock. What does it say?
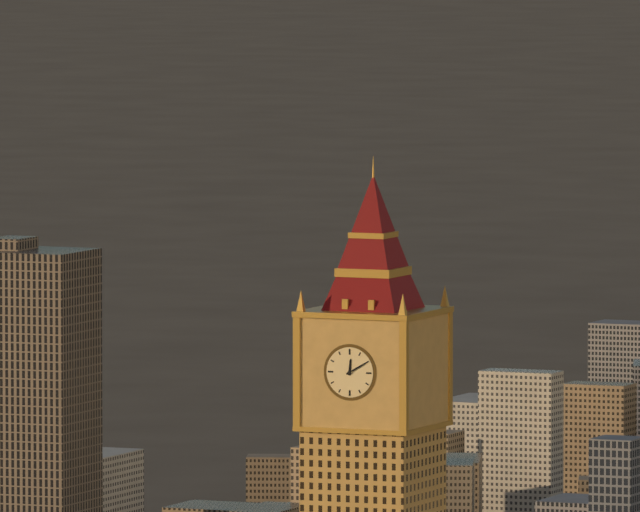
12:10
